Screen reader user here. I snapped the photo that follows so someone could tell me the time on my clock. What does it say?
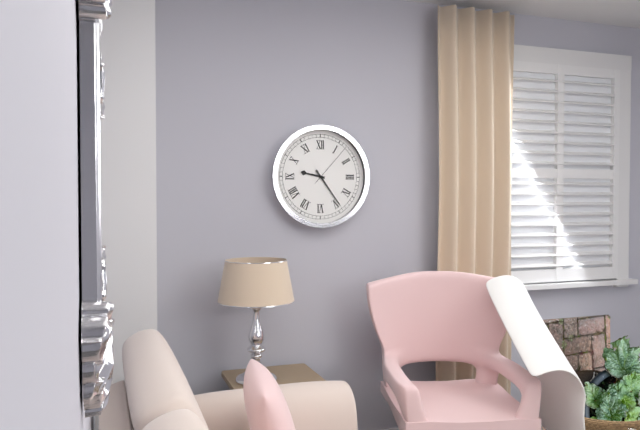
9:24
